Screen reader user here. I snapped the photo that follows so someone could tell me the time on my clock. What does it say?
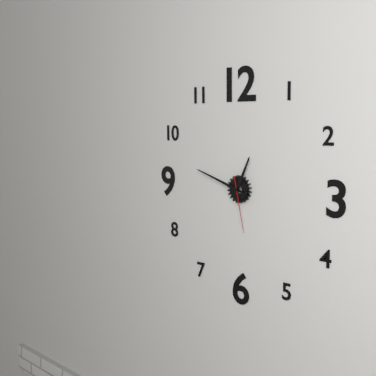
12:48:28
